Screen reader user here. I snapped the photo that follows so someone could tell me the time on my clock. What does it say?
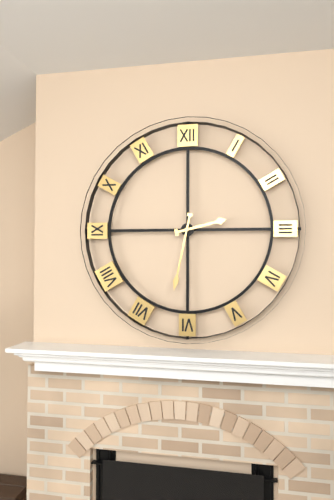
2:32
